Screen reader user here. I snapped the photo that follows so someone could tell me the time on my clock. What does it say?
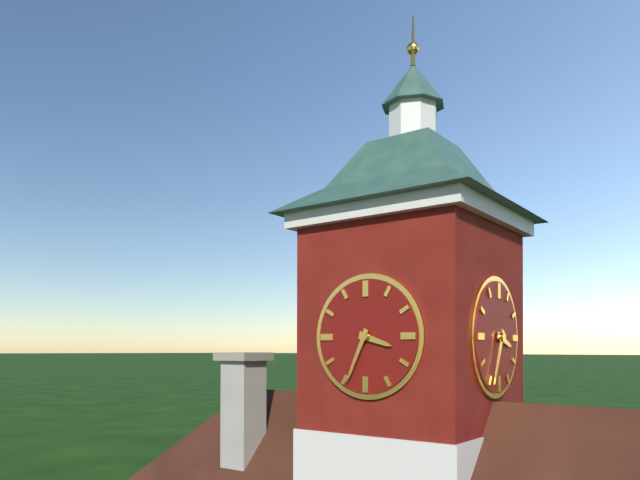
3:34
